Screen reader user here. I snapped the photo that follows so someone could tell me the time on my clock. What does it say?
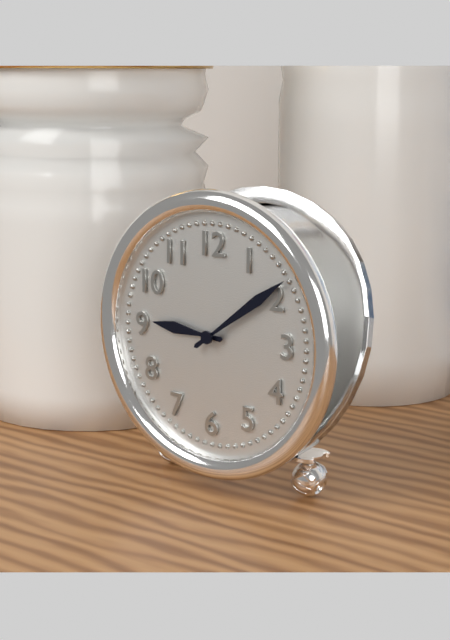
9:09
